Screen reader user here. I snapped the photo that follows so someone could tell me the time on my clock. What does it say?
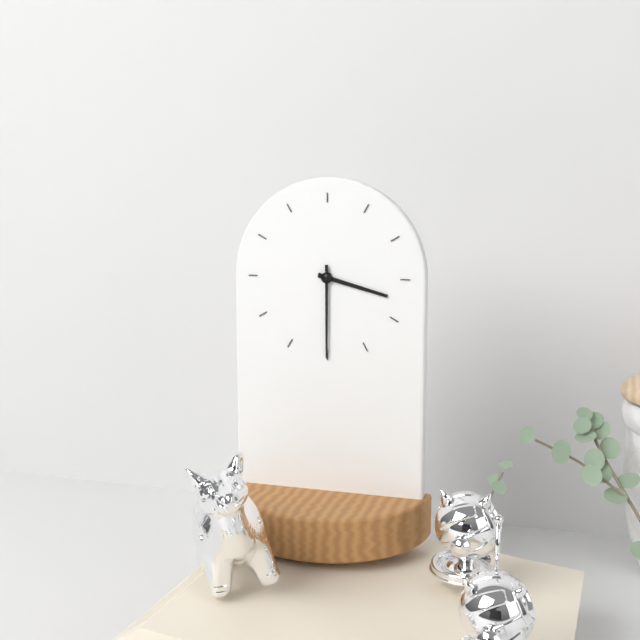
3:30
